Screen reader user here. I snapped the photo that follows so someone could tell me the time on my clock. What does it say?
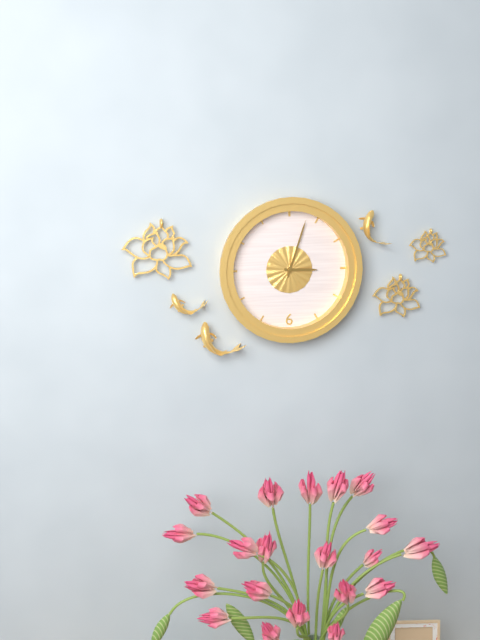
3:03
